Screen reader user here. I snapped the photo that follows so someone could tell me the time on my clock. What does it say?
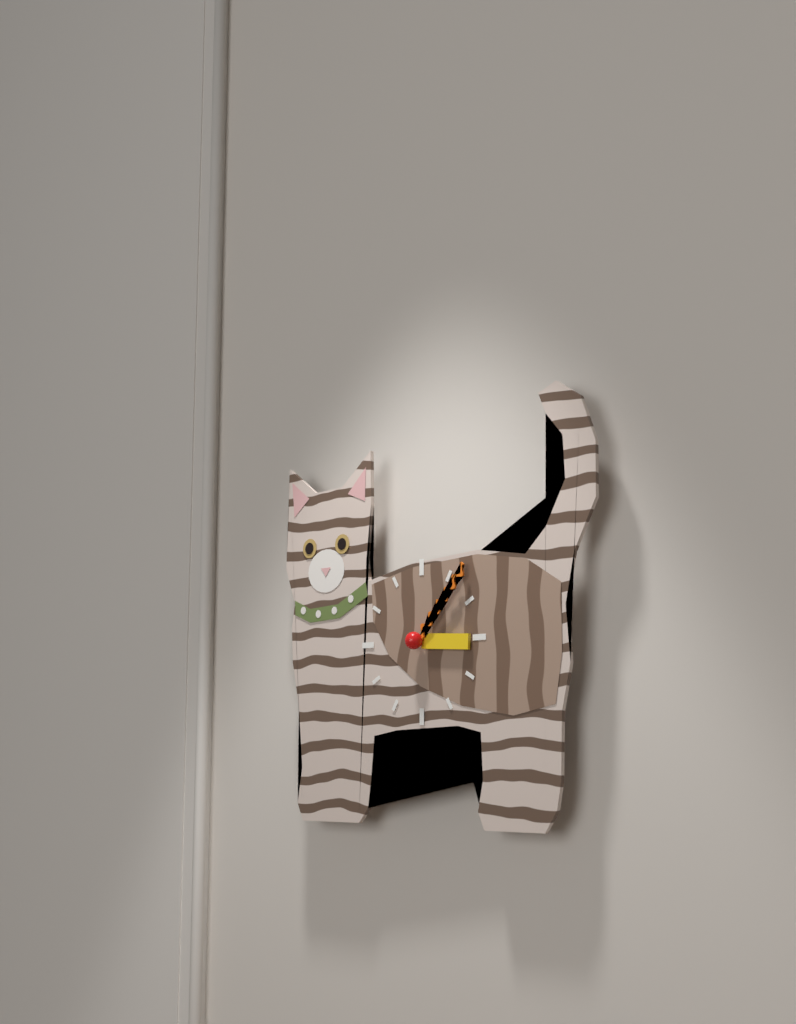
3:07
